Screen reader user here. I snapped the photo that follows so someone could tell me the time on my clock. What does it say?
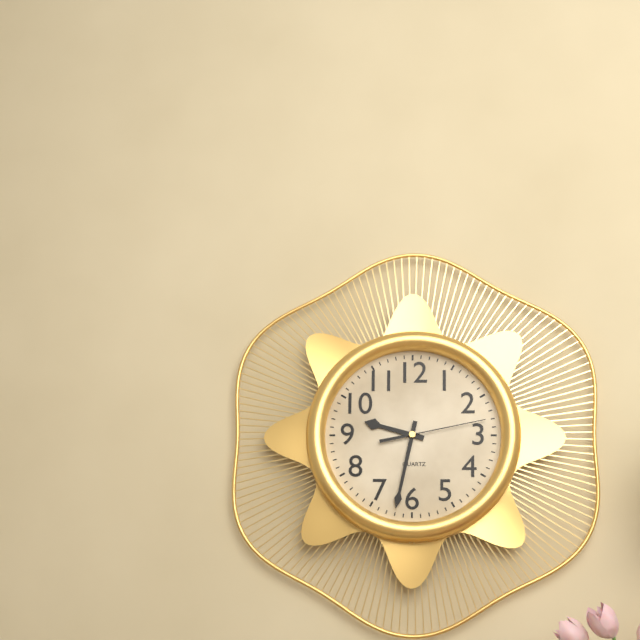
9:32:13
